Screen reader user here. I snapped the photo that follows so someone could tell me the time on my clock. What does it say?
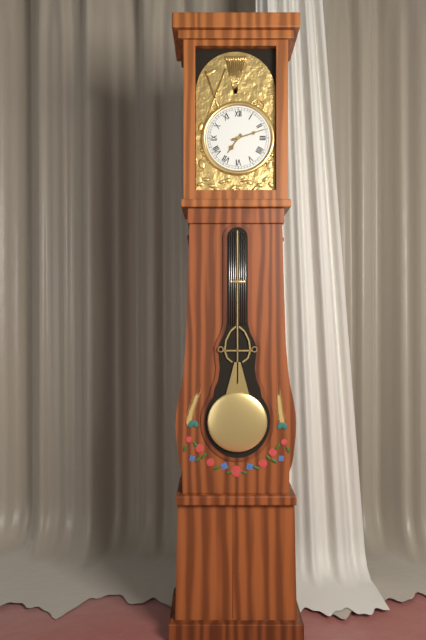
7:12
